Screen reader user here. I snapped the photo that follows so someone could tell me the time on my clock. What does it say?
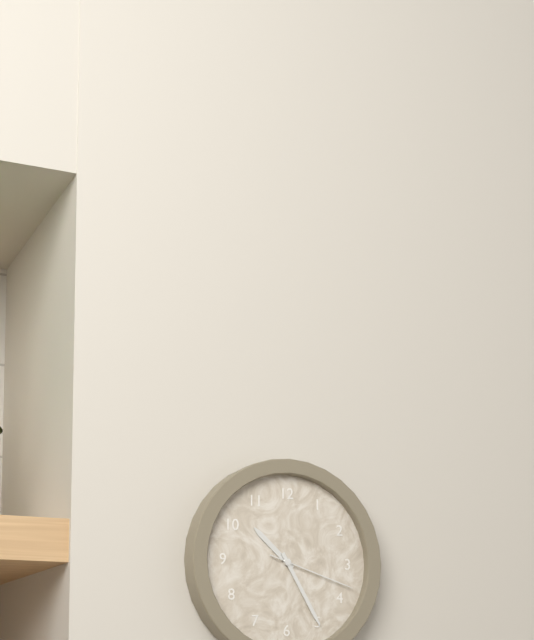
10:25:18
